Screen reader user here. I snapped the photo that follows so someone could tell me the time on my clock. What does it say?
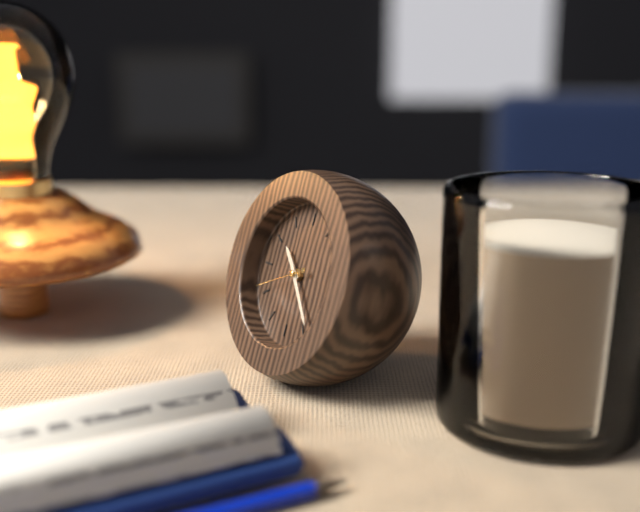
10:23:41
